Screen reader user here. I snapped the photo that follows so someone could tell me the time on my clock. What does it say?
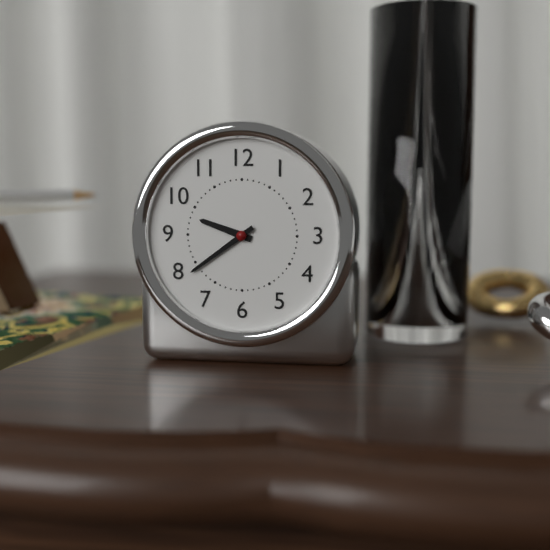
9:39
